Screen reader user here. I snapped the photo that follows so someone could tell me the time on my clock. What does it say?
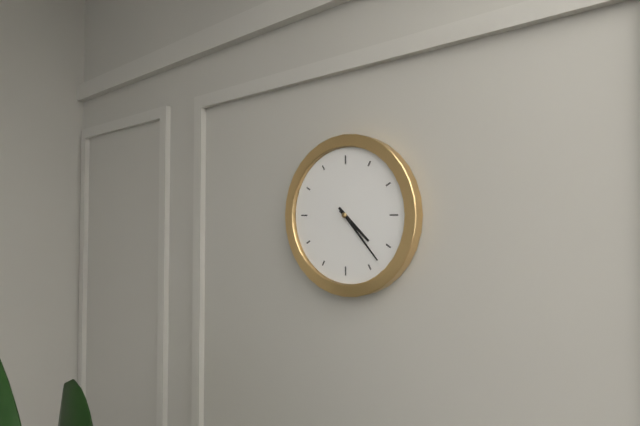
4:23
